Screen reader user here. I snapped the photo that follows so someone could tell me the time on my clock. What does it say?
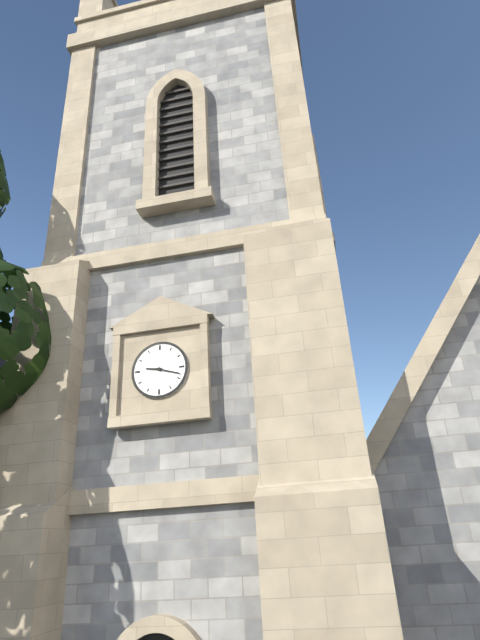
9:18
